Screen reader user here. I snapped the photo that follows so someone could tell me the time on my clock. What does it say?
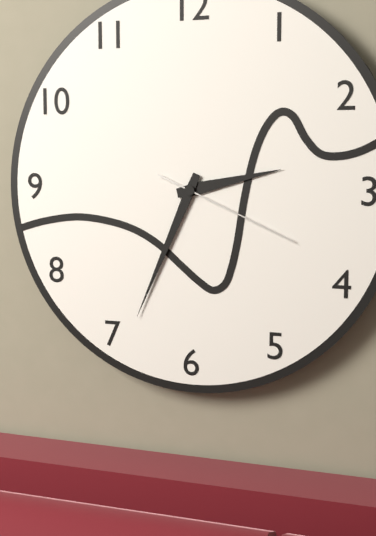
2:34:19
